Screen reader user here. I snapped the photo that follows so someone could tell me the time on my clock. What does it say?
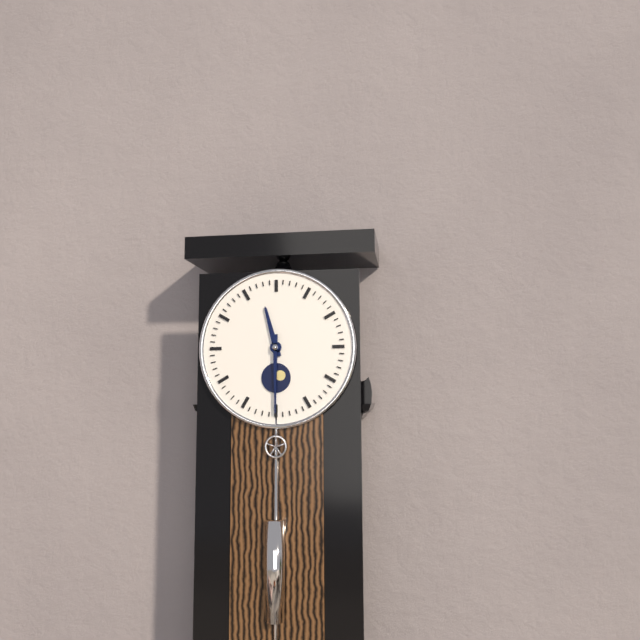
11:30
